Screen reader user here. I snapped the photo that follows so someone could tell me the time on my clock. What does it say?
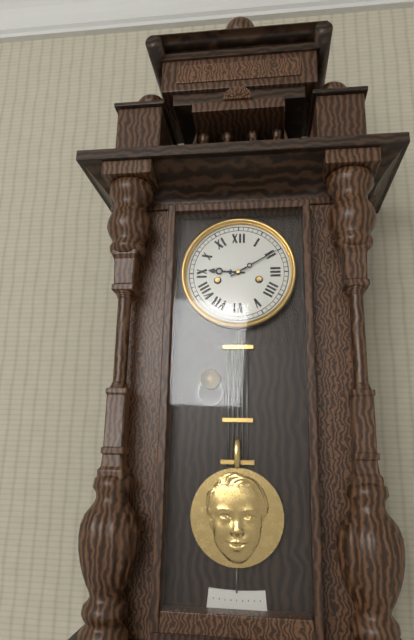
9:10
